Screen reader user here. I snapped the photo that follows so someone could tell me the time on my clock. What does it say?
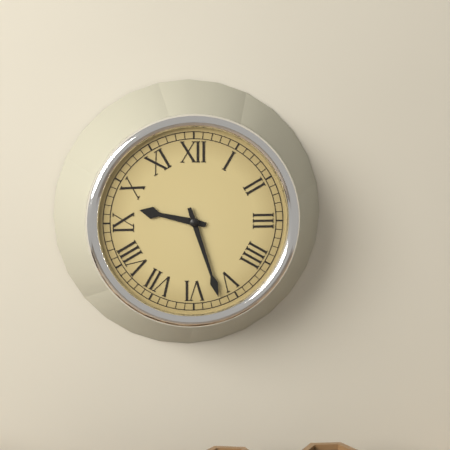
9:27
